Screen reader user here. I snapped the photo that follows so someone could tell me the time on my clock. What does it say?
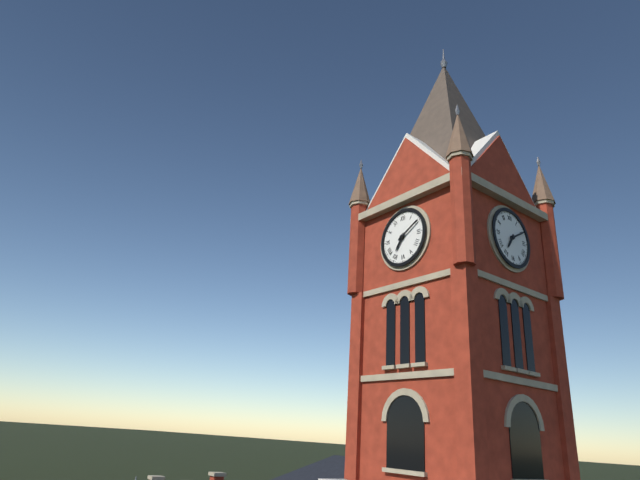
7:10
